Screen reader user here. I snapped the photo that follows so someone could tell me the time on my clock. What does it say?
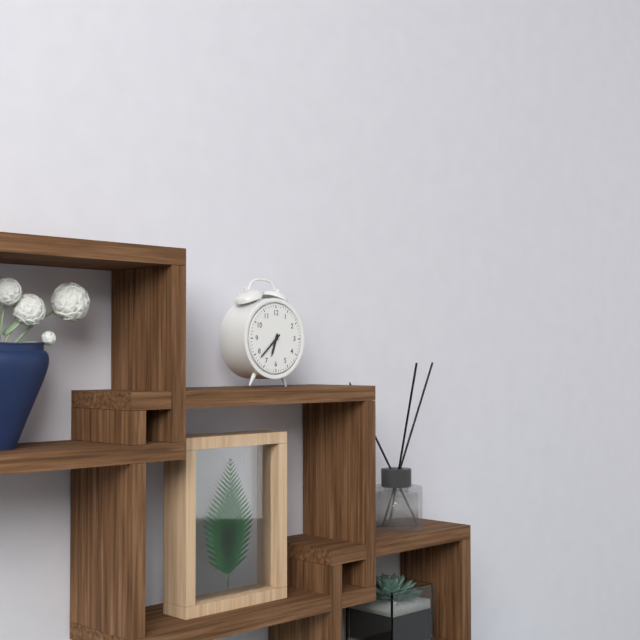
6:38
